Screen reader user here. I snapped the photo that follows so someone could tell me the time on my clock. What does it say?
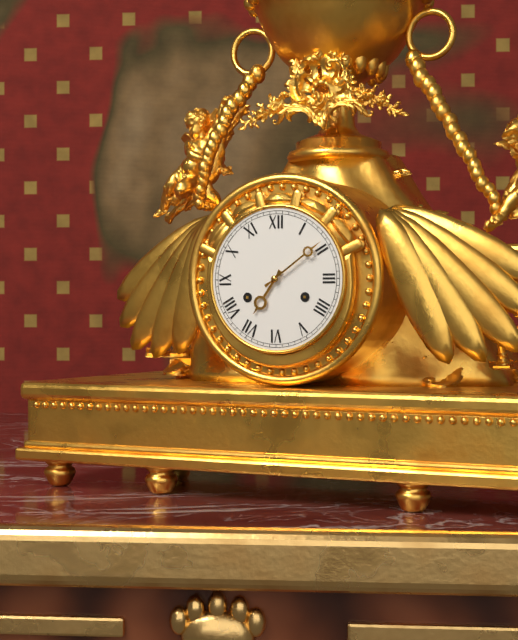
7:09
